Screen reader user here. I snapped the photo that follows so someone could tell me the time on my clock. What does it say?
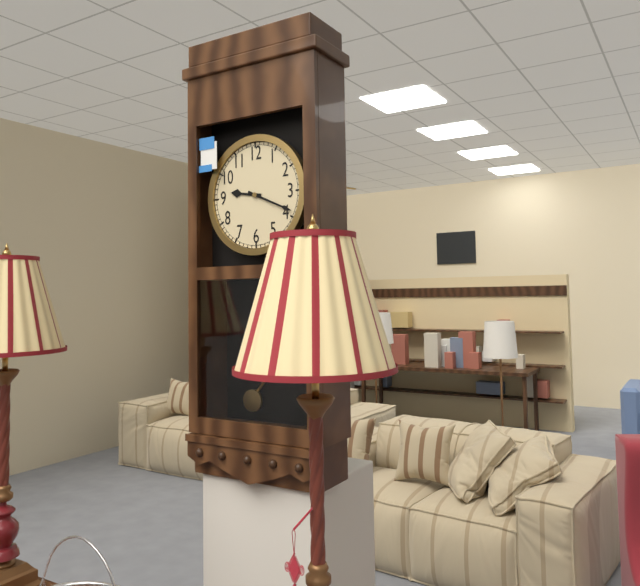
9:19
